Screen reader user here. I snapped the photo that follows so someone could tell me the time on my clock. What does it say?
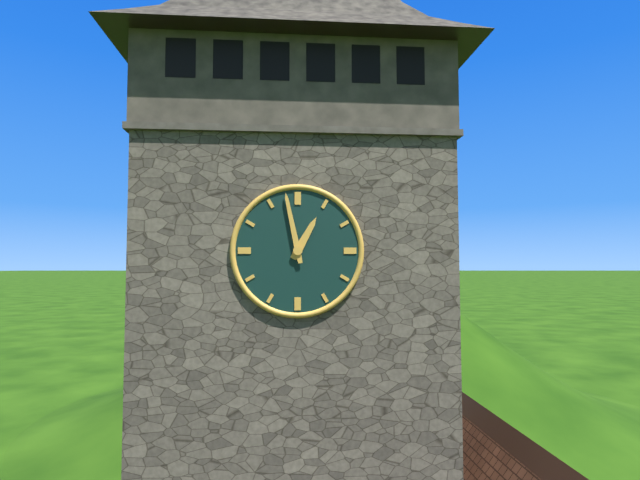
12:58
